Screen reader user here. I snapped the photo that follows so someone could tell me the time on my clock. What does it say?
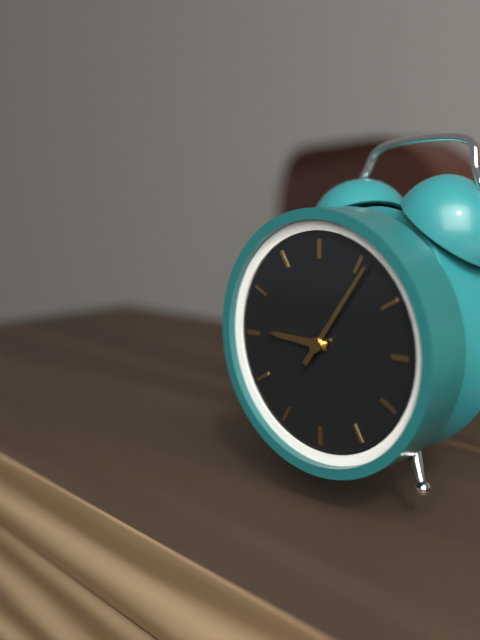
9:06
